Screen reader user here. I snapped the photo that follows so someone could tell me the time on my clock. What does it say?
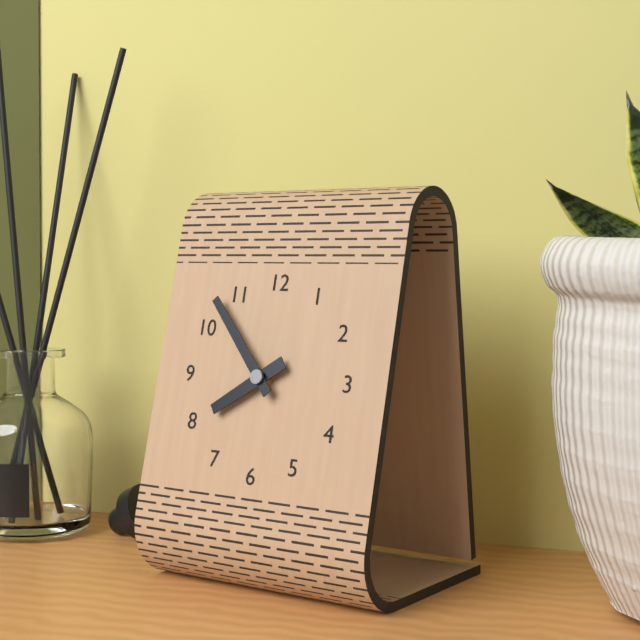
7:53
